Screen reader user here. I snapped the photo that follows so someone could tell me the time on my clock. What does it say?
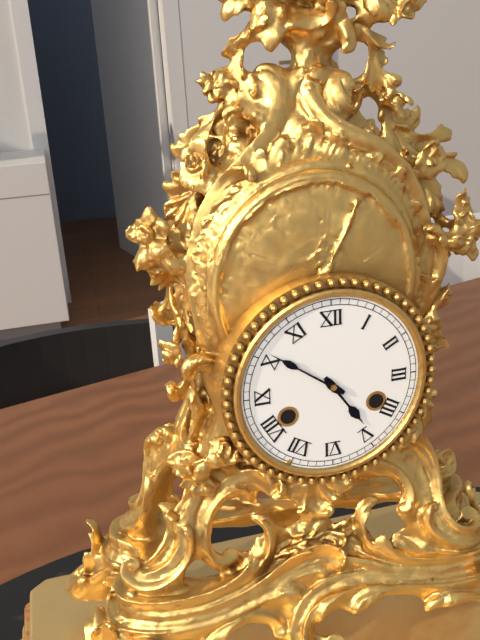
4:51
